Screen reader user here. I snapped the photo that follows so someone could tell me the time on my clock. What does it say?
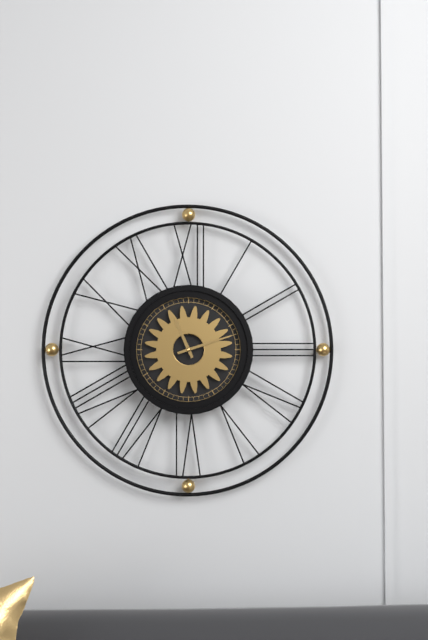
11:12
